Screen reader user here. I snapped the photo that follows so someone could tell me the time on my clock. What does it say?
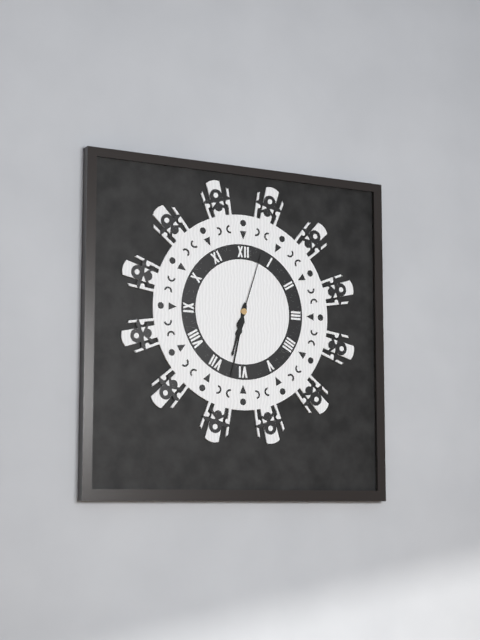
6:32:03
